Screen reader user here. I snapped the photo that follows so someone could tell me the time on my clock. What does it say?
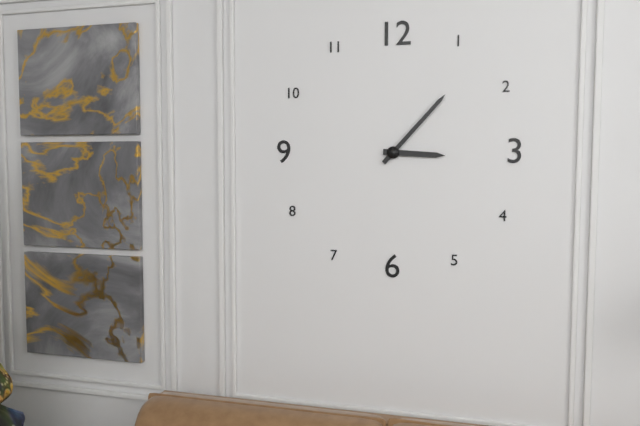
3:07
